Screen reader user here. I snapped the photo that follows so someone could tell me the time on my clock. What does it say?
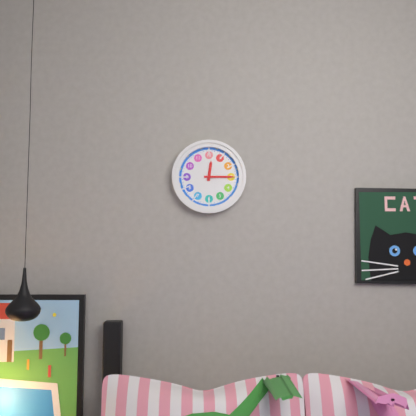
12:15
